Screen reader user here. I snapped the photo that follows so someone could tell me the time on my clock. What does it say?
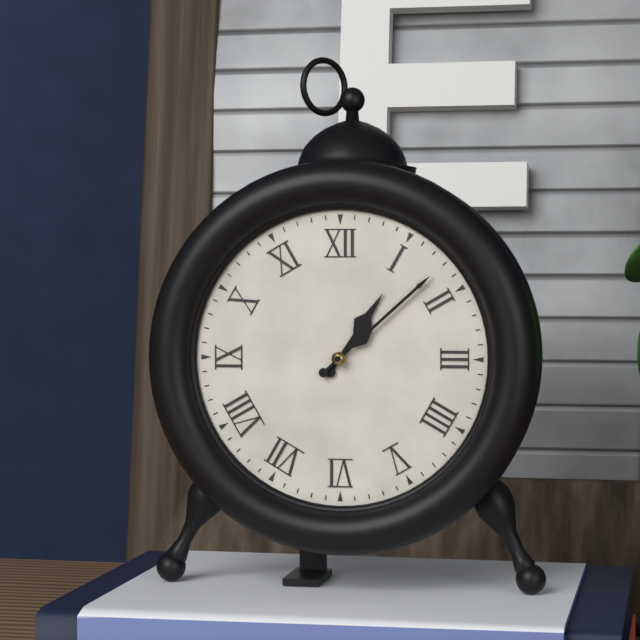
1:08
